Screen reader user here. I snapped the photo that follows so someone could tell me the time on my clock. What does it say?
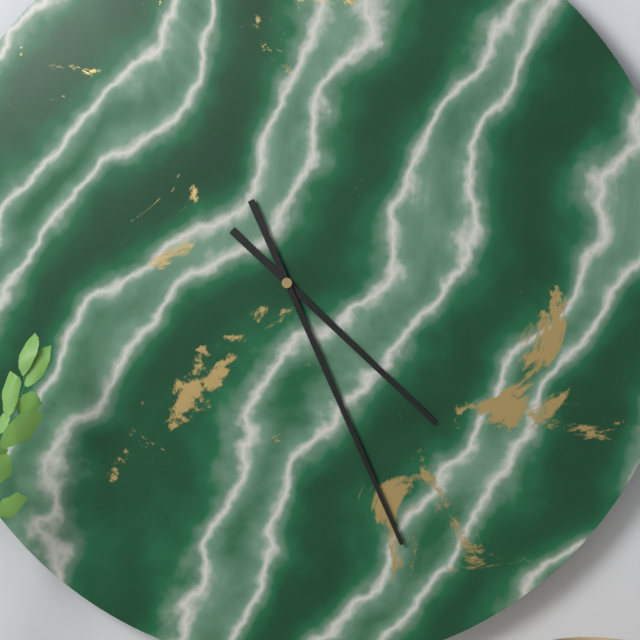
4:26
